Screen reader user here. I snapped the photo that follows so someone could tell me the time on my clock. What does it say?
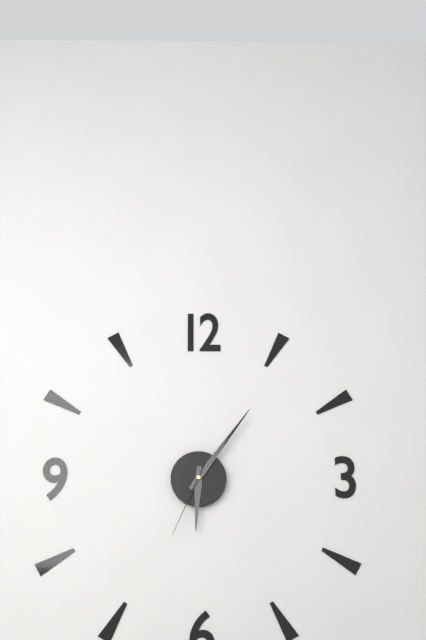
6:06:34
